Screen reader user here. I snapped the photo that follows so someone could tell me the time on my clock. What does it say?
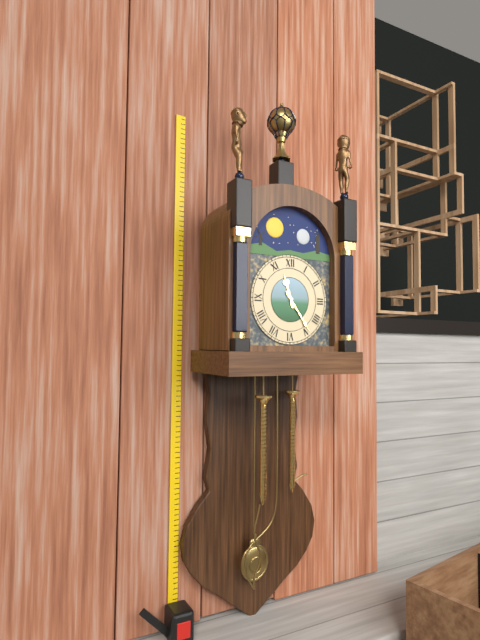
11:24
